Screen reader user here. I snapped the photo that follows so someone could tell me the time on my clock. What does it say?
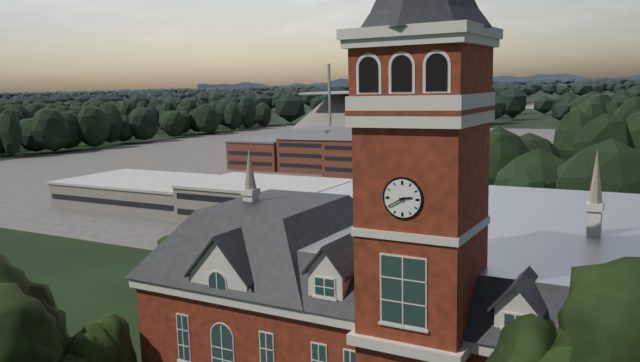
2:40
